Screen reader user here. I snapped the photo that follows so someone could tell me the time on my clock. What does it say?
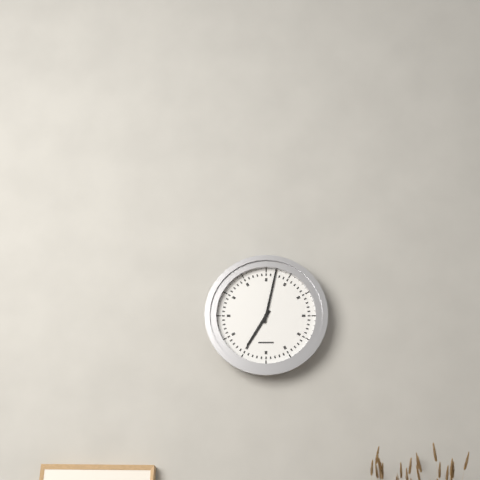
7:02
